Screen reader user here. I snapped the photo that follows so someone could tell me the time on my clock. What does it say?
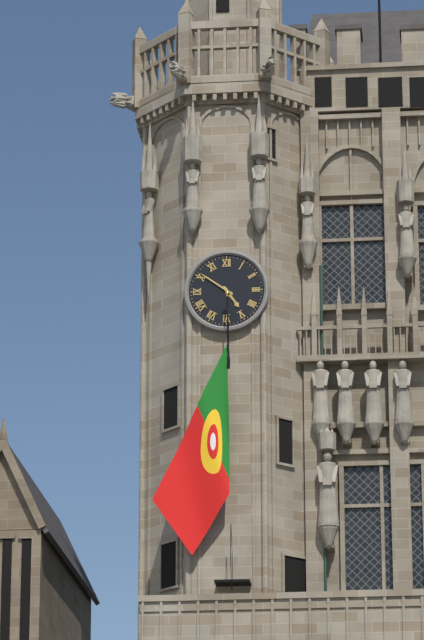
4:51
